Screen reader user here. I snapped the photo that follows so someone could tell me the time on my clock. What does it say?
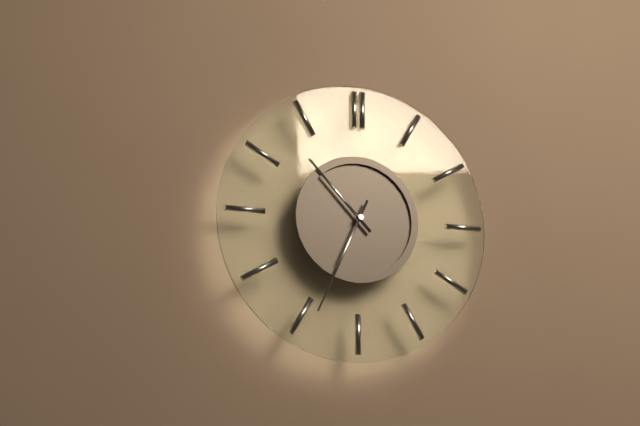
10:34
